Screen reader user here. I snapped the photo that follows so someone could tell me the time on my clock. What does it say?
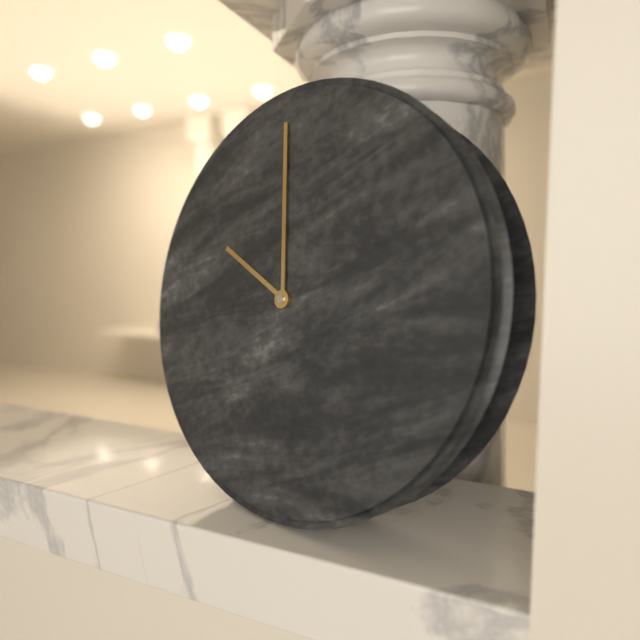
9:59
